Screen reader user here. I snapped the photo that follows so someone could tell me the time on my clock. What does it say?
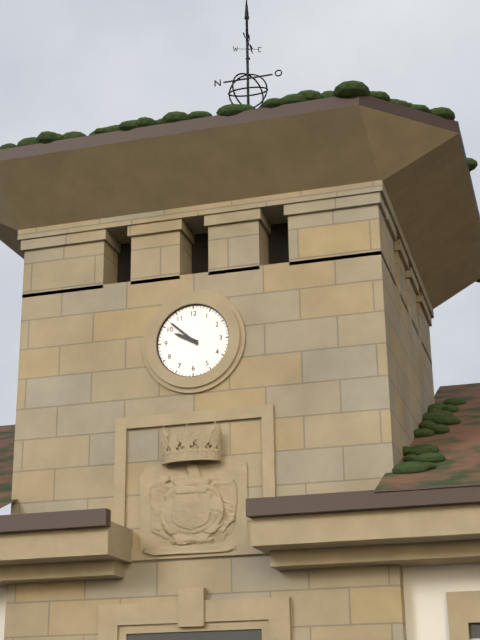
9:52
